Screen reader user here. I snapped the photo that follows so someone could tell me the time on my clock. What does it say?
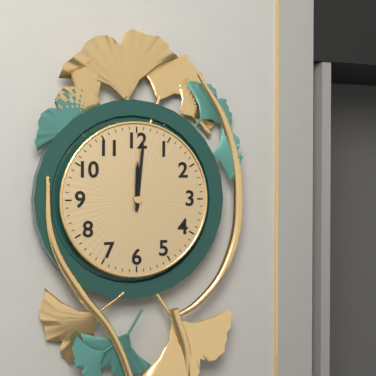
12:01
